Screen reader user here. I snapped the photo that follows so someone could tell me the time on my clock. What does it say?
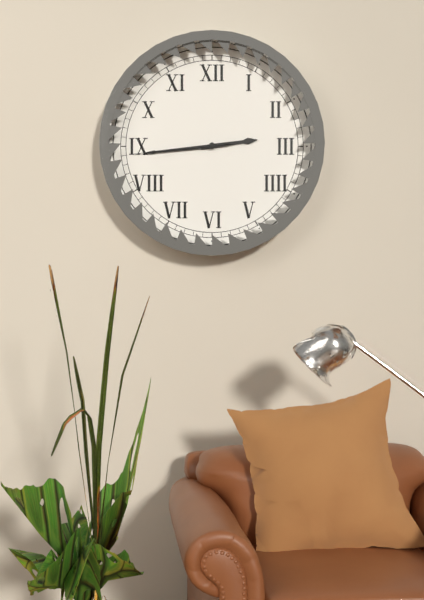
2:44:44
